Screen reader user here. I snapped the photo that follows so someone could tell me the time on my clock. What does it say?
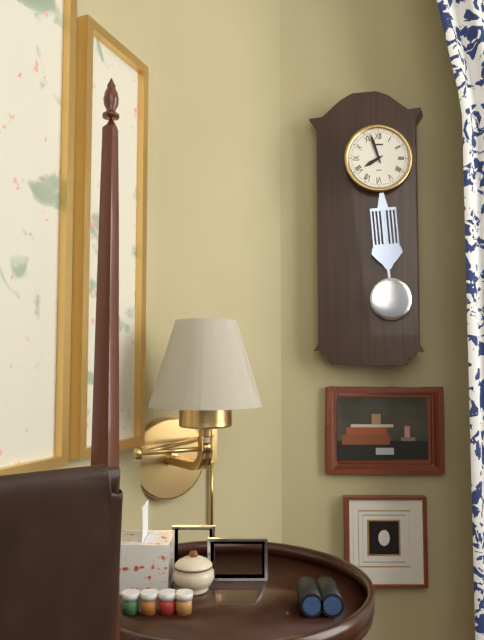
7:57
